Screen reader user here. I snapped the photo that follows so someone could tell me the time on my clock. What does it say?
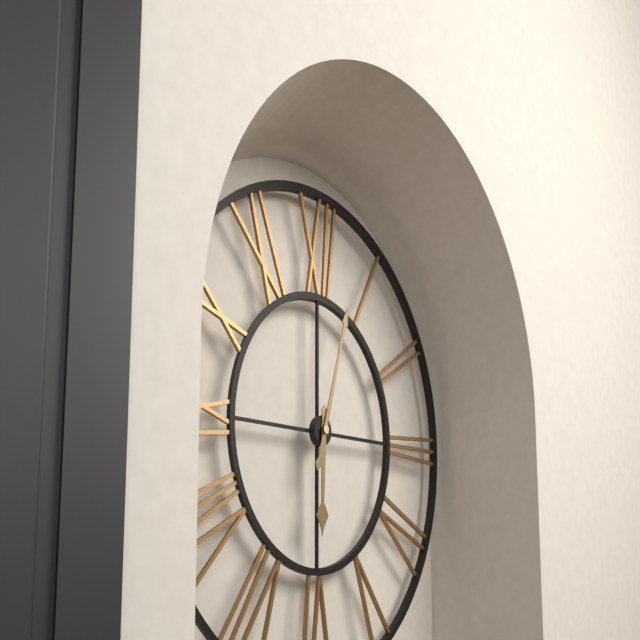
6:03
